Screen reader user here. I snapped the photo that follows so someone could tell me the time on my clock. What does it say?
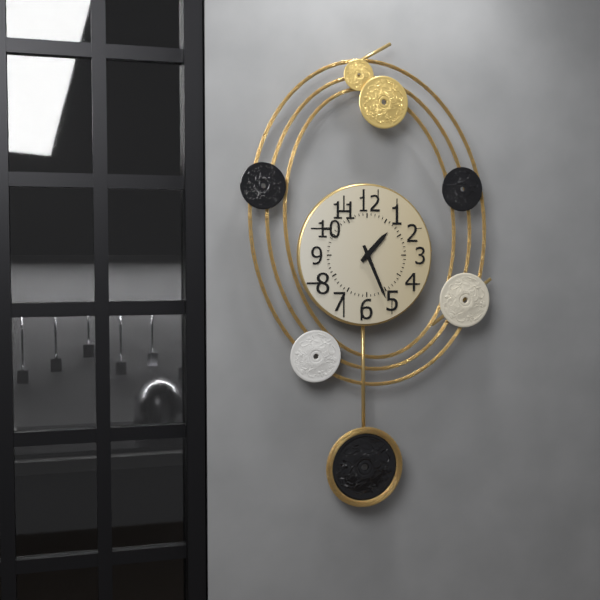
1:26
